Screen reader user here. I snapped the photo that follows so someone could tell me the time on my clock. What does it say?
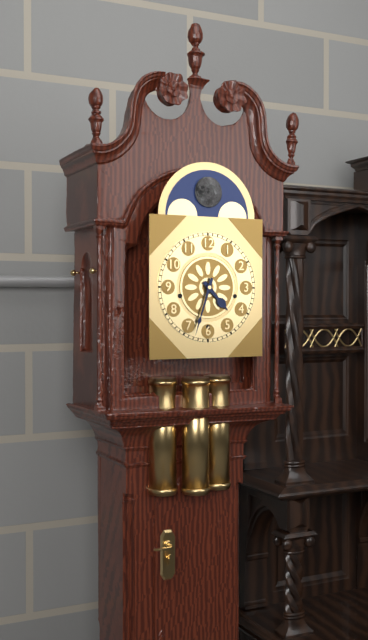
4:33
